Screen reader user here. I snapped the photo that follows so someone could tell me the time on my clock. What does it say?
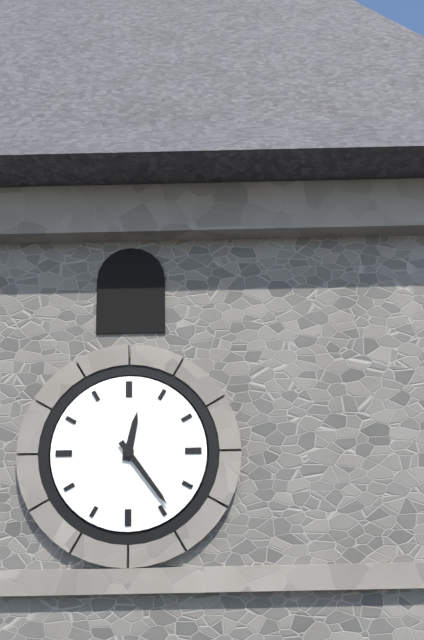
12:24
